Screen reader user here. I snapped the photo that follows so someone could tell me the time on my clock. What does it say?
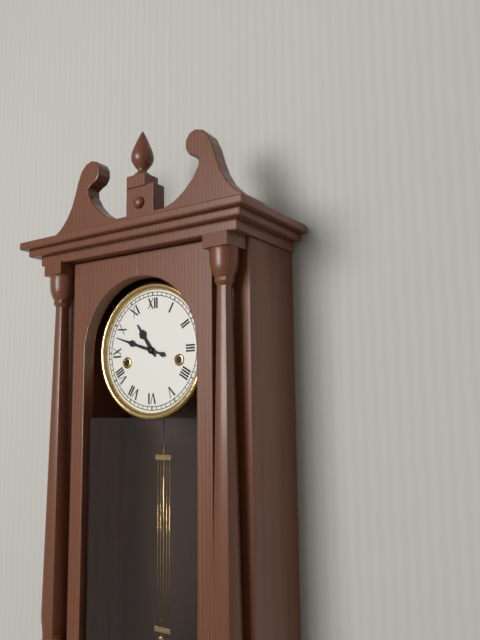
10:48
